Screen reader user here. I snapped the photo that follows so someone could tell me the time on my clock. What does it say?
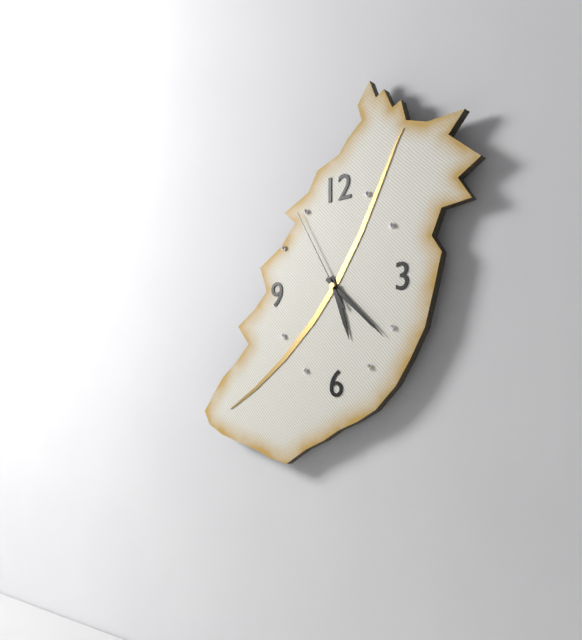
5:22:55
